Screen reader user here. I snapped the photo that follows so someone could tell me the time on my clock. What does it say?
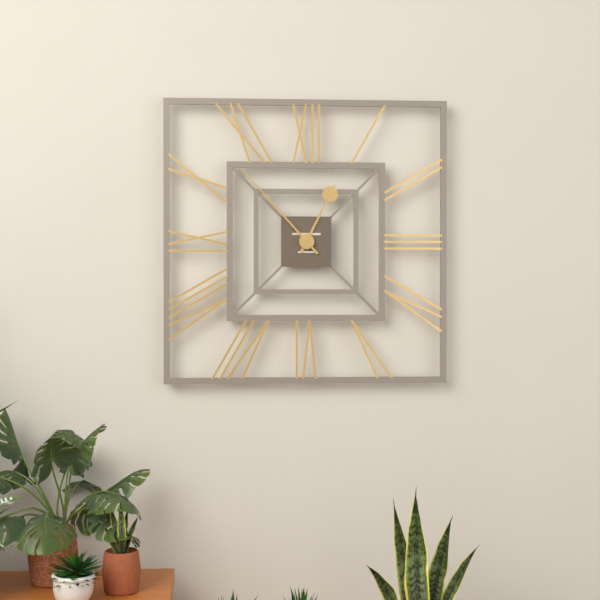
12:53
